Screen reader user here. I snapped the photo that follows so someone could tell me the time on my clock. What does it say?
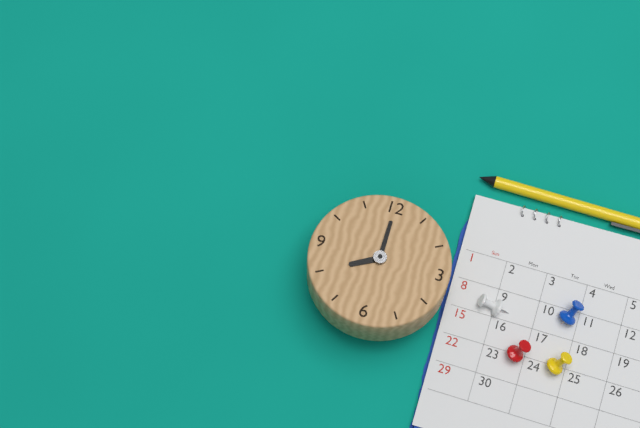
8:00
